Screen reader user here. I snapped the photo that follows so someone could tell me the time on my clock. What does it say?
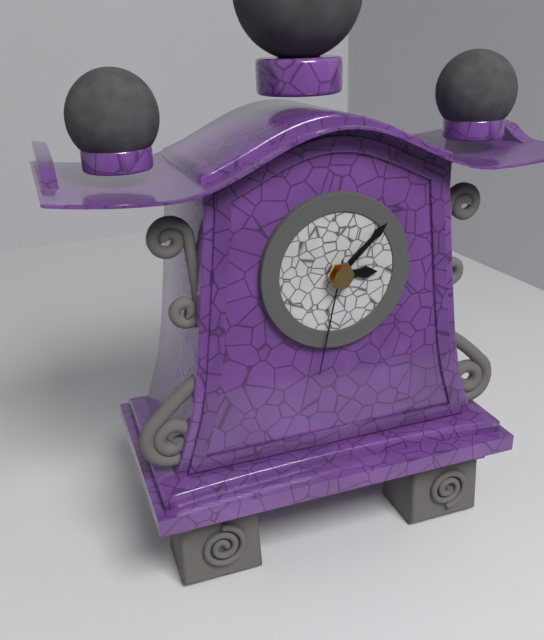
3:08:32
